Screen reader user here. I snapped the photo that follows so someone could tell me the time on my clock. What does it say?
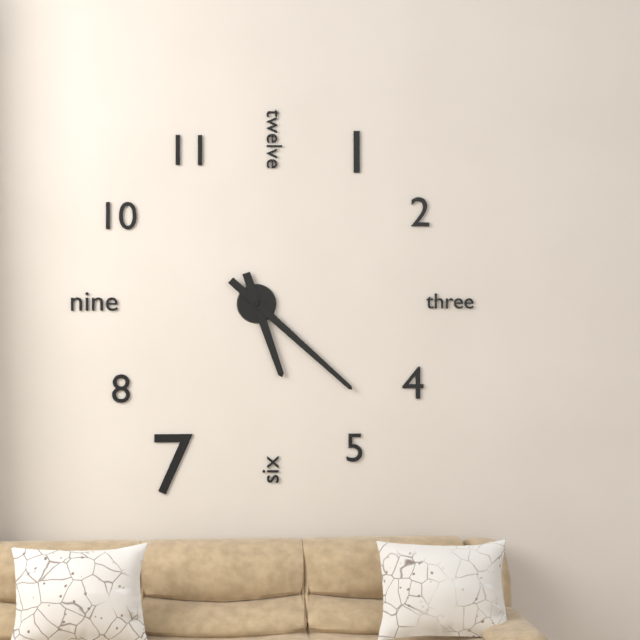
5:22
